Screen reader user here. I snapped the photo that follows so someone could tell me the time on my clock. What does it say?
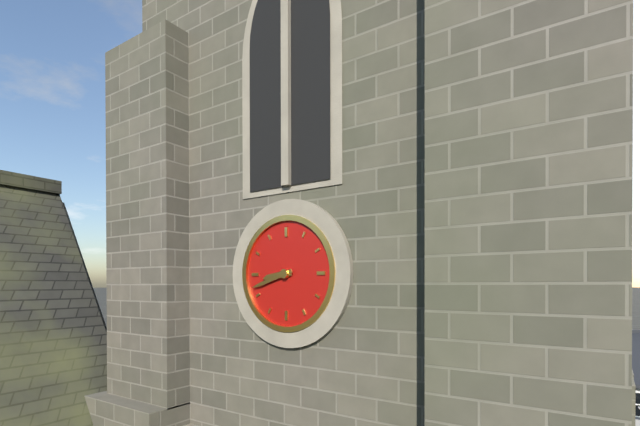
8:42
